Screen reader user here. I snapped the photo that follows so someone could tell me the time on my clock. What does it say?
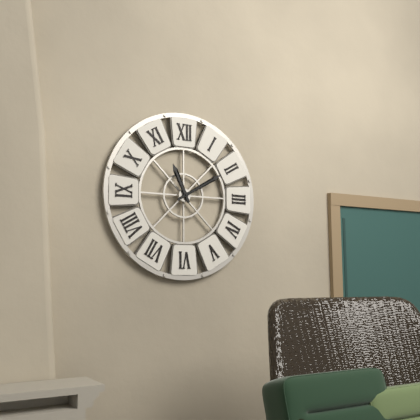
11:10
